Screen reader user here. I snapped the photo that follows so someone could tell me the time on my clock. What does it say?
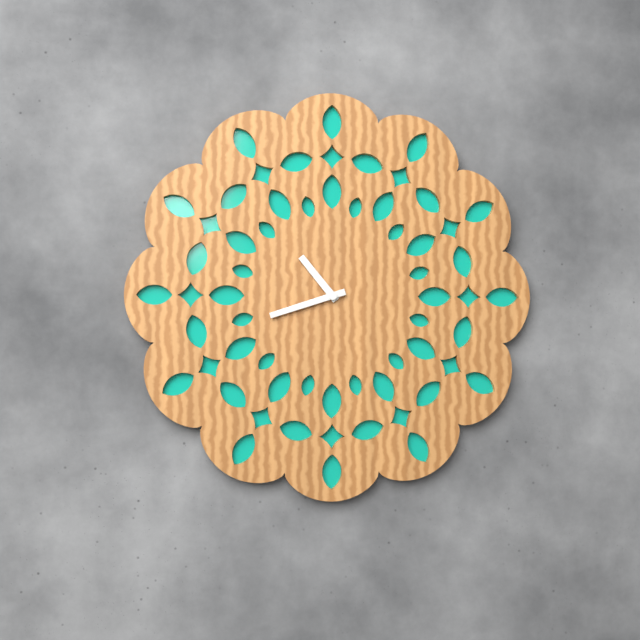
10:42
